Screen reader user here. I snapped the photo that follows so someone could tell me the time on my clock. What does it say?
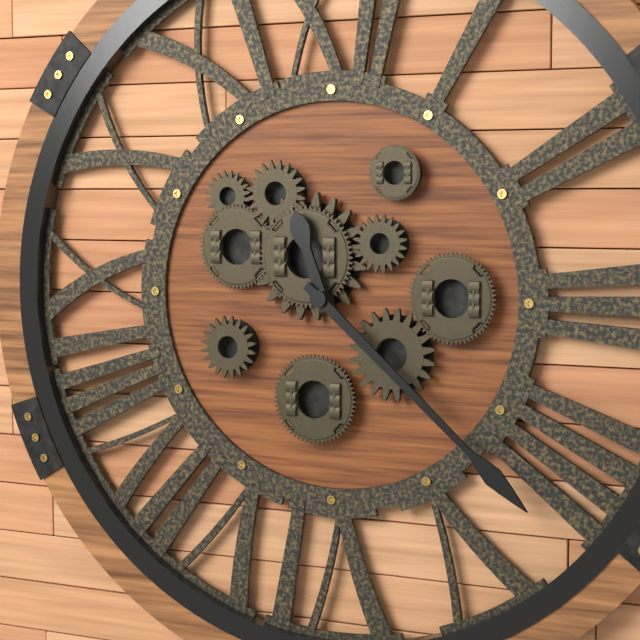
11:22
